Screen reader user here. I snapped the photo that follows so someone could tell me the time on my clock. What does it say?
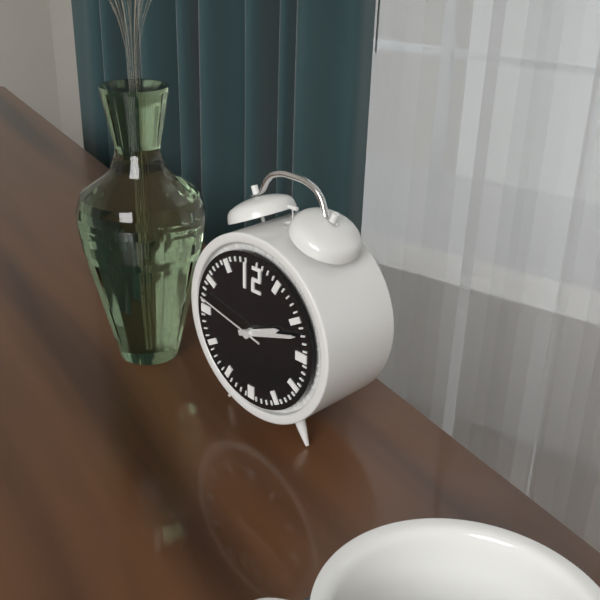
2:12:47
